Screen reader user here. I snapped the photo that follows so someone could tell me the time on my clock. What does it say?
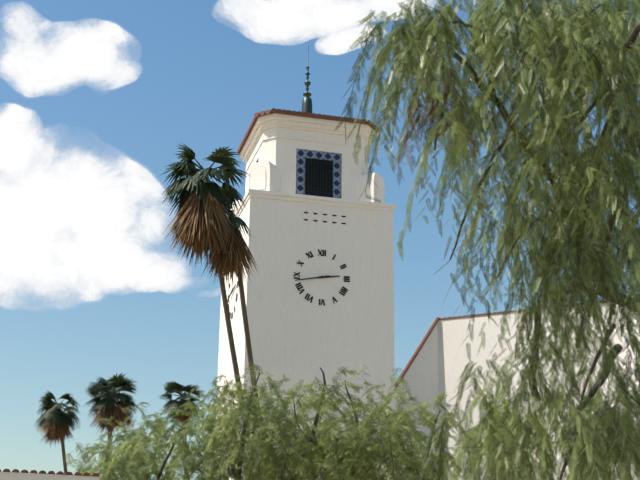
2:43
